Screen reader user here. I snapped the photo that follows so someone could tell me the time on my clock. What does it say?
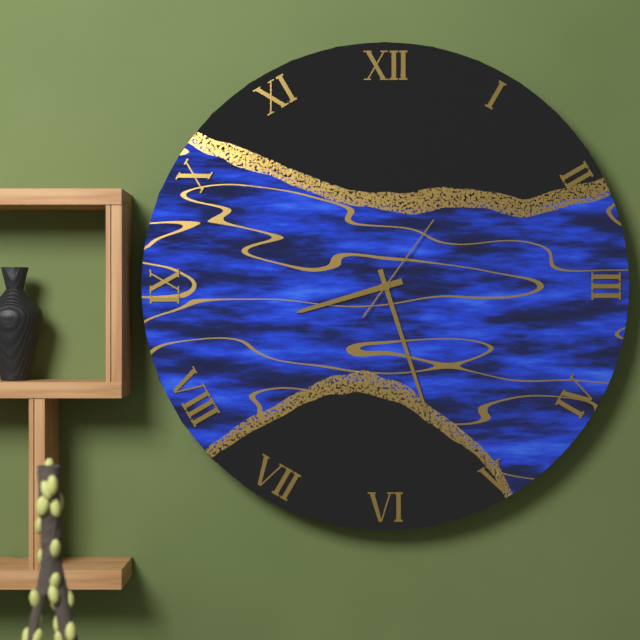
8:27:06
